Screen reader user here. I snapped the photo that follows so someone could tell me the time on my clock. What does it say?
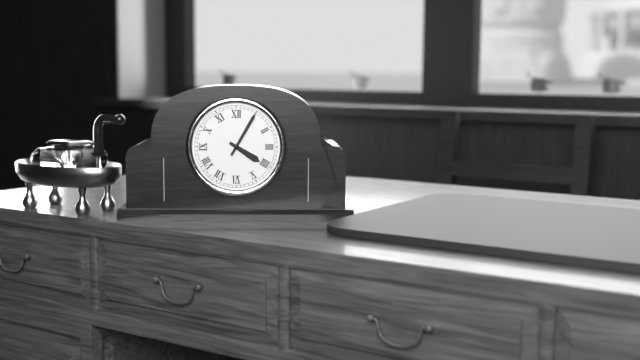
4:05
